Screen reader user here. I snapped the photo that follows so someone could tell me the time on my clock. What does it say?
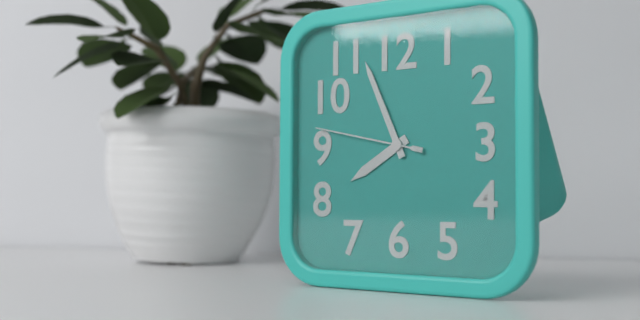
7:56:47
